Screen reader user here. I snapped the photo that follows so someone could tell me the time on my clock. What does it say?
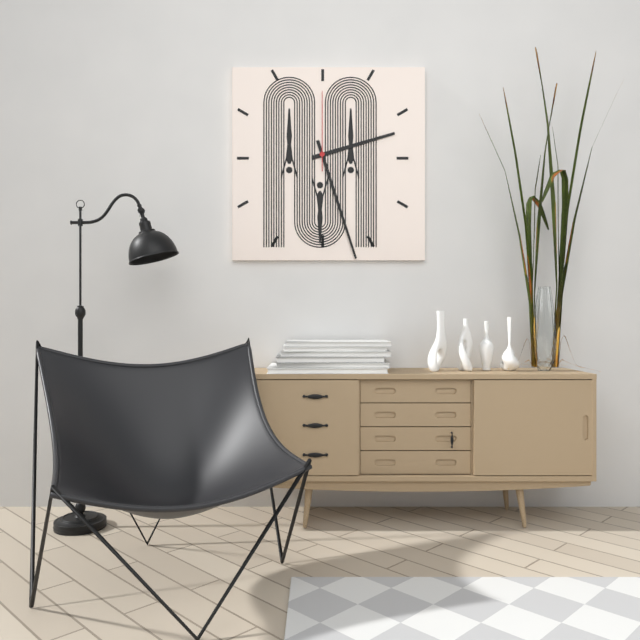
2:27:00
